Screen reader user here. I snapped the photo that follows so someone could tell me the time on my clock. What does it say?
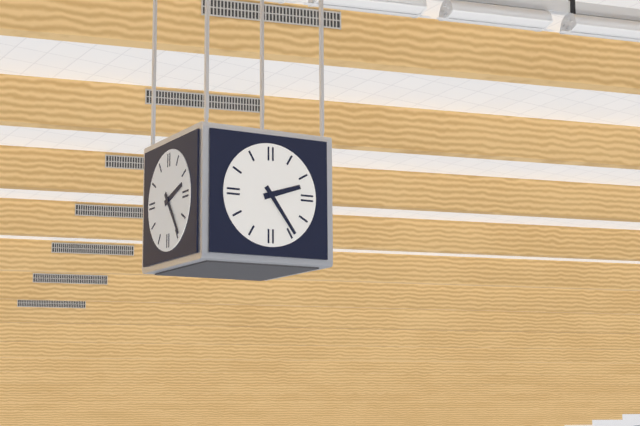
2:24
